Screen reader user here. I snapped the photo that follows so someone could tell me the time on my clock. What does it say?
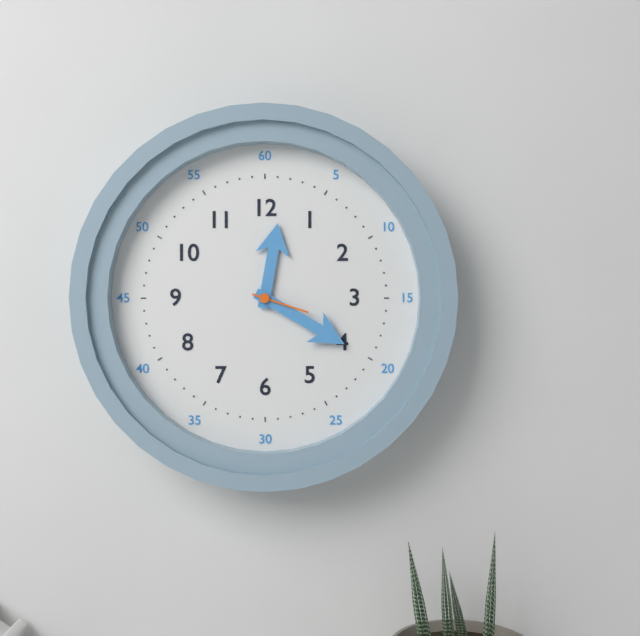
12:20:18
